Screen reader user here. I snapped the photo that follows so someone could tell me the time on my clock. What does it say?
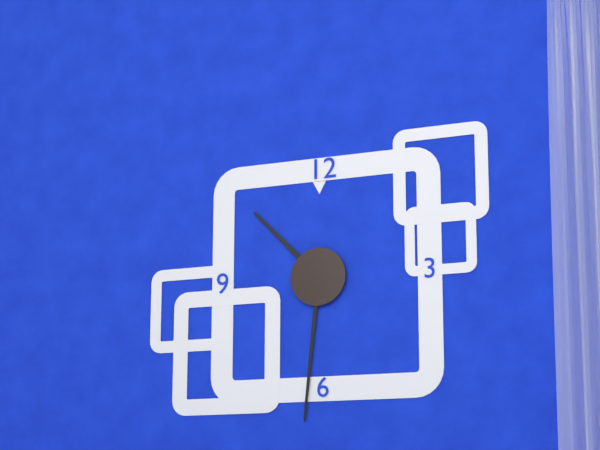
10:31
